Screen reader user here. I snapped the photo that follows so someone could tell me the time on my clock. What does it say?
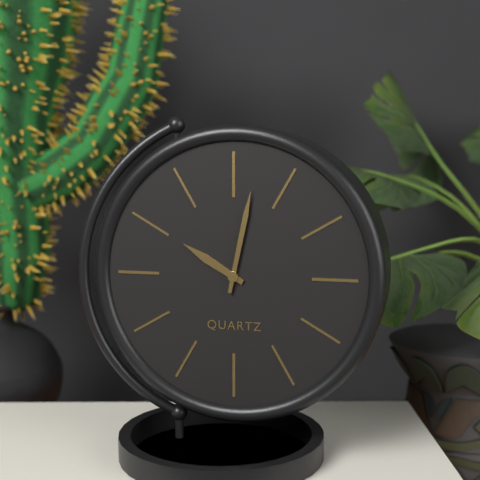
10:02
